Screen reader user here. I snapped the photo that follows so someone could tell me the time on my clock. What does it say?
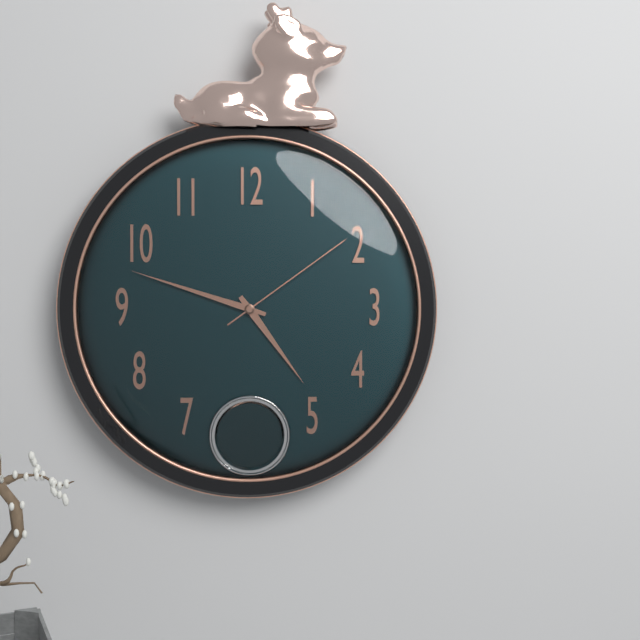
4:48:09
